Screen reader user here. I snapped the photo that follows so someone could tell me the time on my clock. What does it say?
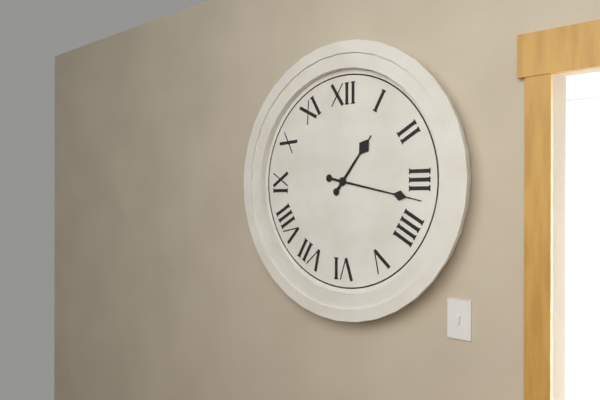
1:17
